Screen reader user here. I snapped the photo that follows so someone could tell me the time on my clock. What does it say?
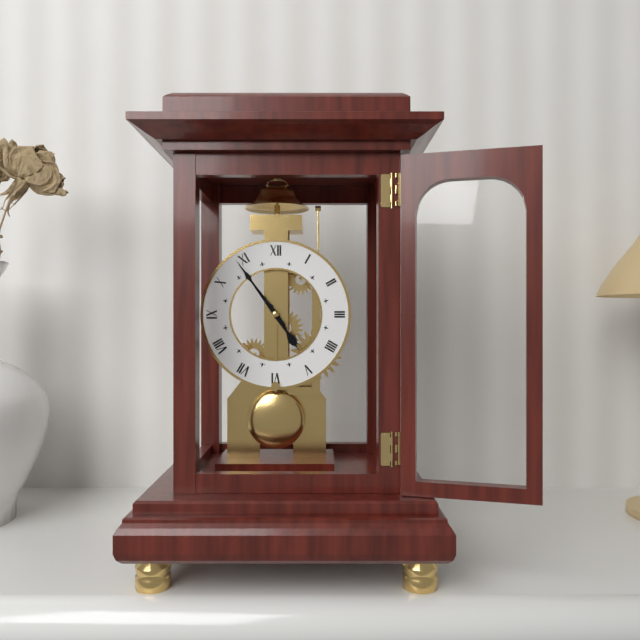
4:54
